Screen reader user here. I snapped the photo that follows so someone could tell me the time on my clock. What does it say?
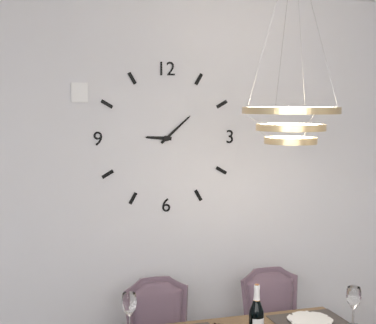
9:08
